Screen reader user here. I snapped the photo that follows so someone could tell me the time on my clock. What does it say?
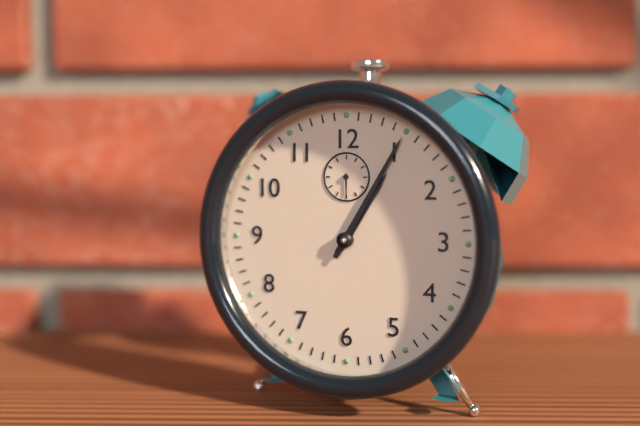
1:05
